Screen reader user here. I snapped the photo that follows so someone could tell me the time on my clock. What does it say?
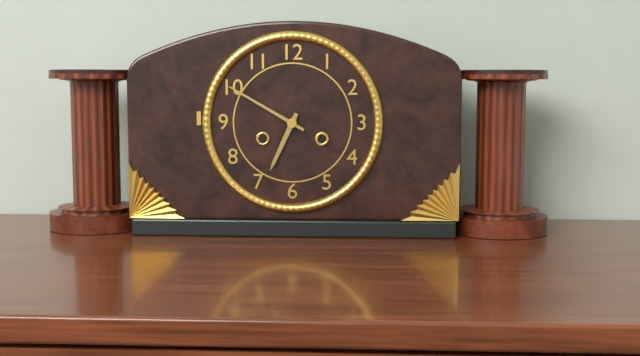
6:50
